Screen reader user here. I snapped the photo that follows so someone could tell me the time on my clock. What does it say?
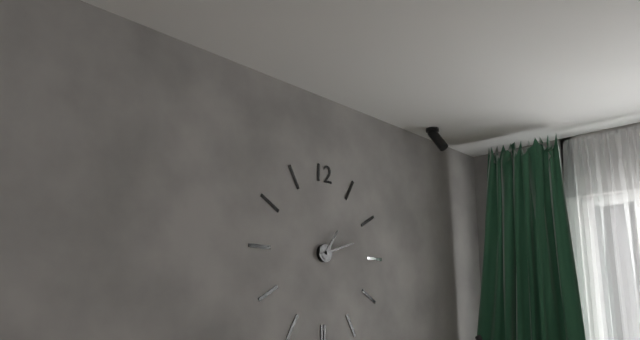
1:12
